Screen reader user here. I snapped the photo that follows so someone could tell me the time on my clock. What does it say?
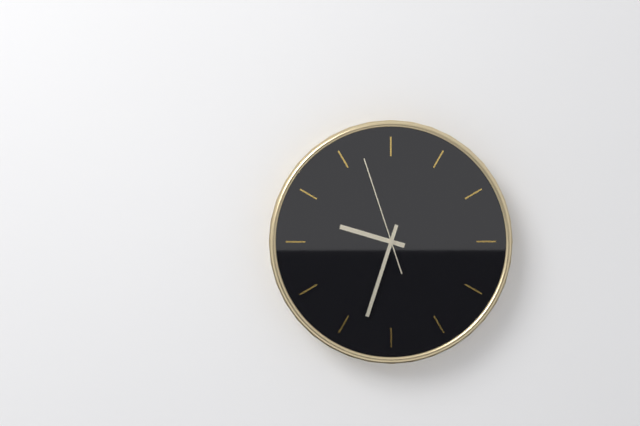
9:33:57
